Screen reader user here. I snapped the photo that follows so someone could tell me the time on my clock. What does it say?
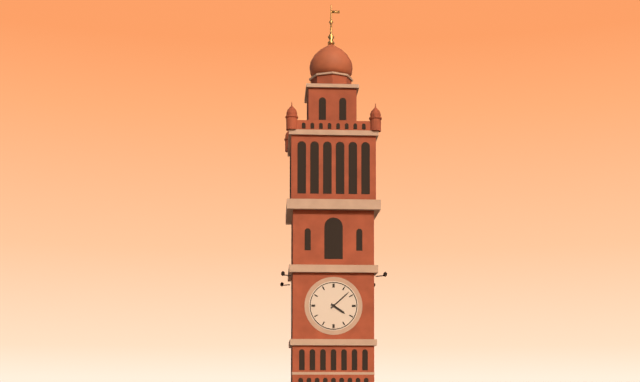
4:08
